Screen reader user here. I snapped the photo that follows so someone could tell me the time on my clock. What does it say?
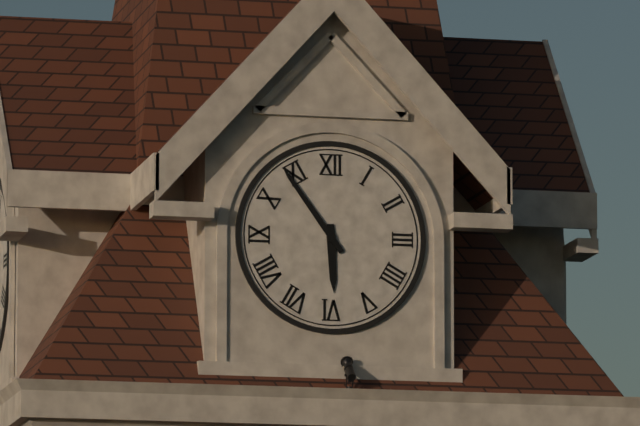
5:54
